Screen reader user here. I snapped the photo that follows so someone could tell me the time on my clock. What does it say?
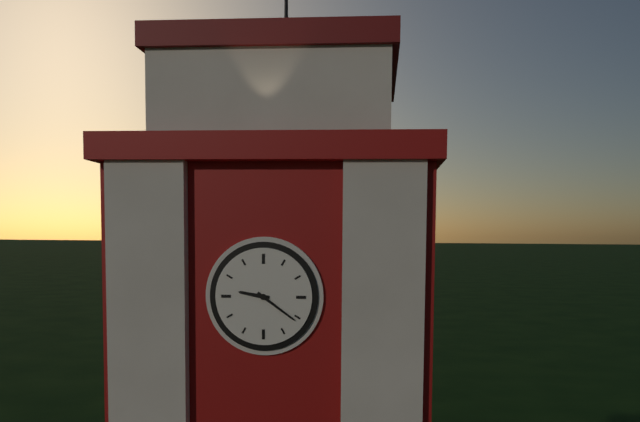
9:21
